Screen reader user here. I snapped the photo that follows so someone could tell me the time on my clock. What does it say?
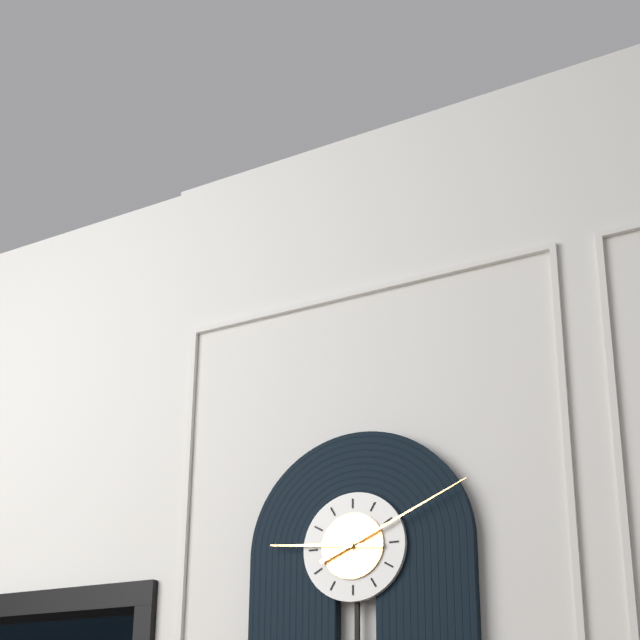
9:11
